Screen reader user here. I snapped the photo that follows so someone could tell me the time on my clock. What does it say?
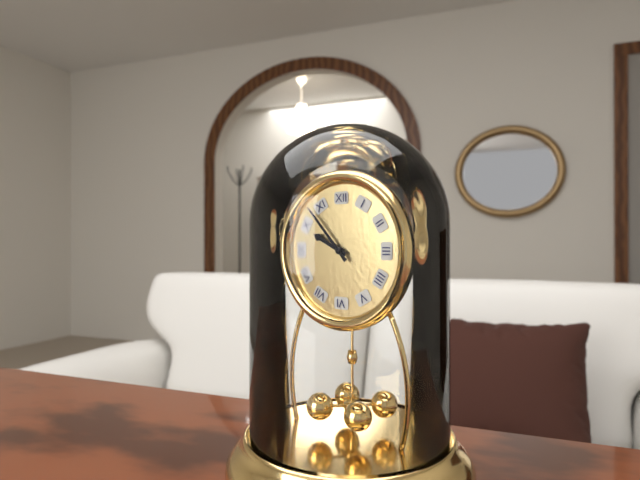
9:53
